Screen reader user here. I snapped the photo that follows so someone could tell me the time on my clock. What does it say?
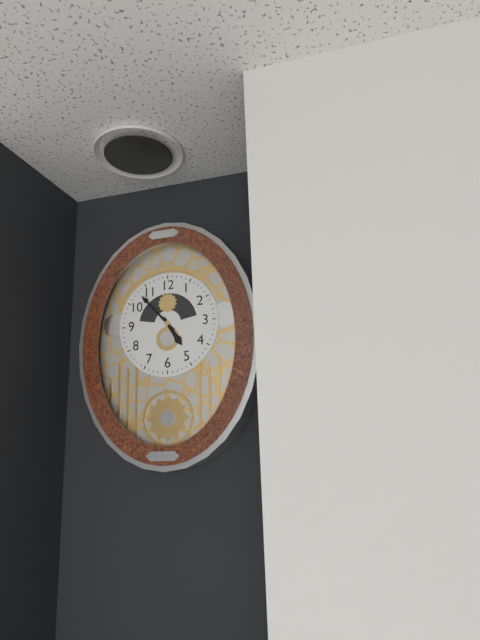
4:53
